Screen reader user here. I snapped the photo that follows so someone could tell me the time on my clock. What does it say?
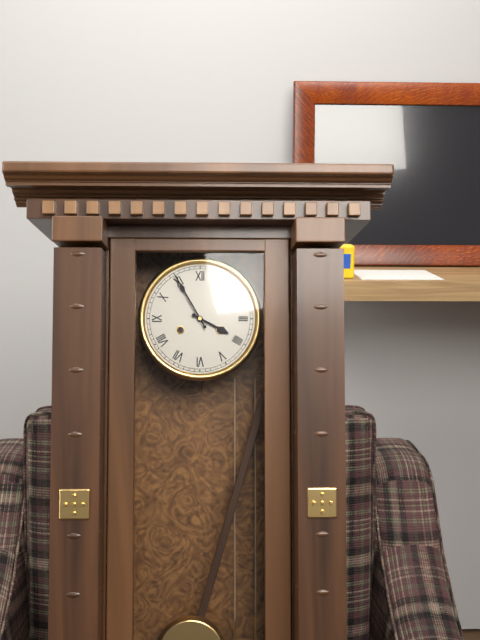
3:55
